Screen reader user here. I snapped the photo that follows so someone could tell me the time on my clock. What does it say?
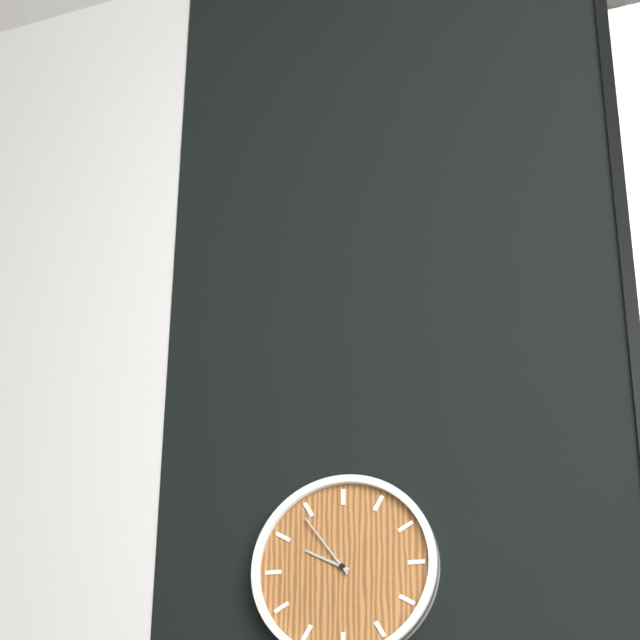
9:54
